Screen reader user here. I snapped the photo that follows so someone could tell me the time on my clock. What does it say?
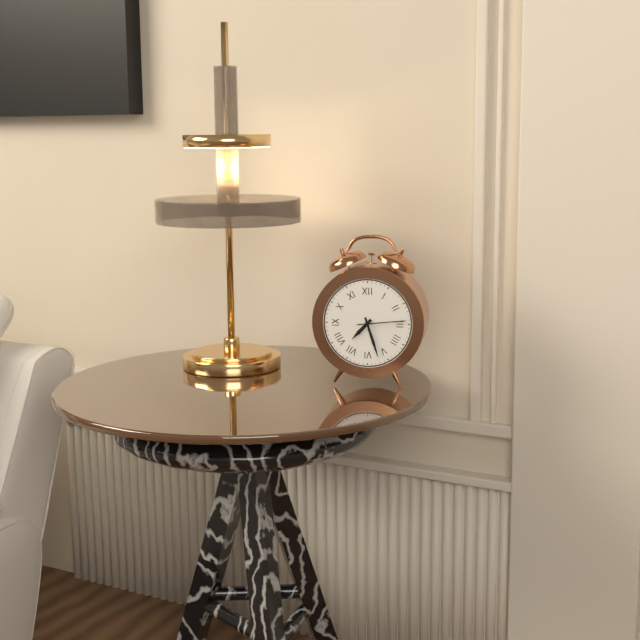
7:27
